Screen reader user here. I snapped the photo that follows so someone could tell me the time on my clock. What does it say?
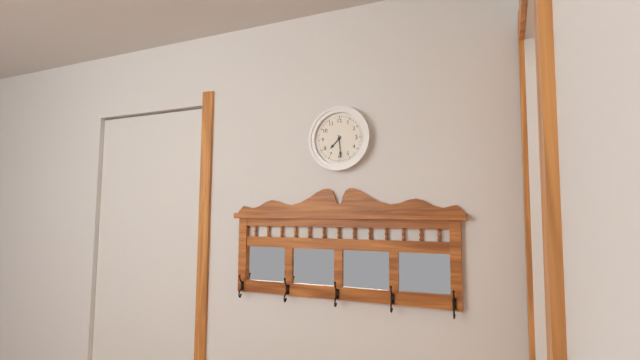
7:29
